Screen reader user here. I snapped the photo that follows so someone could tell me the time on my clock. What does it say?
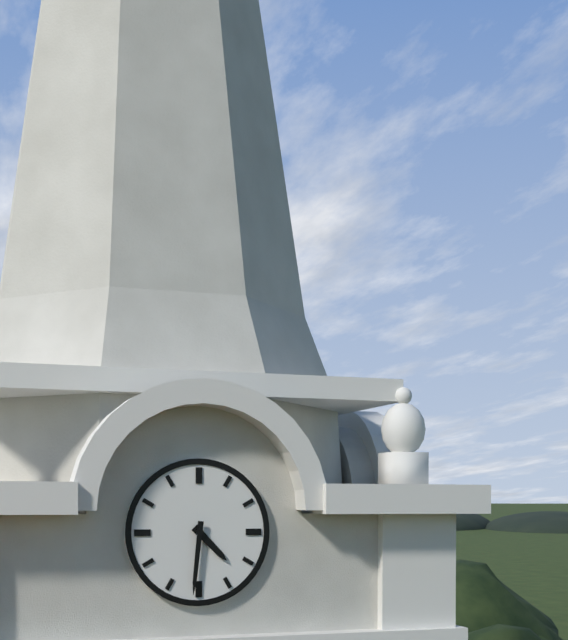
4:31
